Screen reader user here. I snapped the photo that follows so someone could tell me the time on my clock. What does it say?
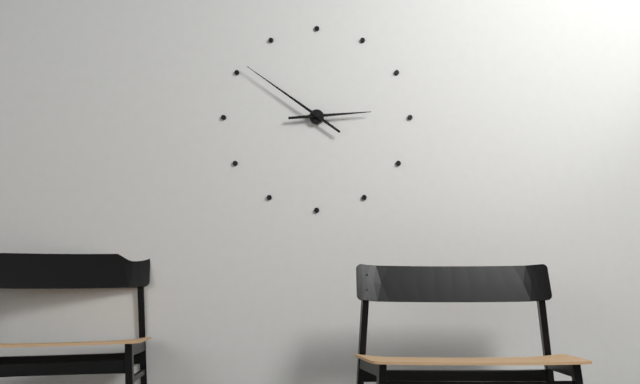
2:51
